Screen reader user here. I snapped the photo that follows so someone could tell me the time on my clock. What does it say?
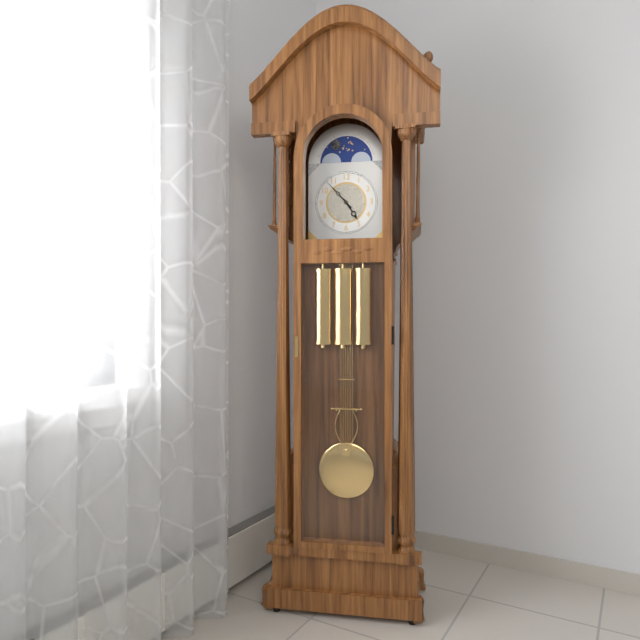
4:53
